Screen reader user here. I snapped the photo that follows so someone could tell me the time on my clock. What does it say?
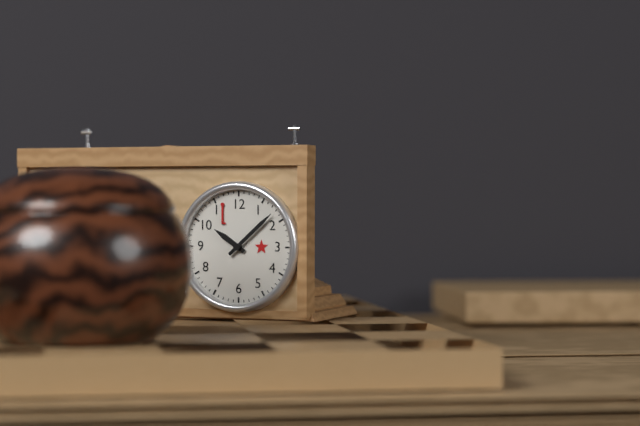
10:08
